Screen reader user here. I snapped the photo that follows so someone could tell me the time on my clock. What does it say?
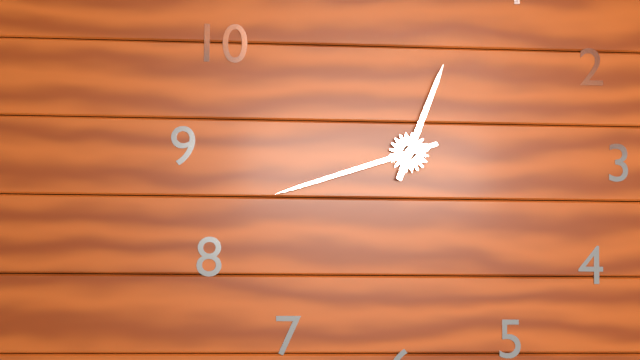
12:42
